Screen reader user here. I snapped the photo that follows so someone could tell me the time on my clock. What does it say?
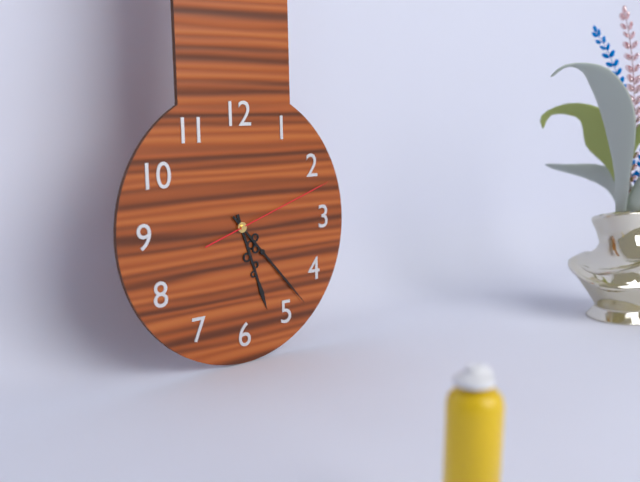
5:23:12
